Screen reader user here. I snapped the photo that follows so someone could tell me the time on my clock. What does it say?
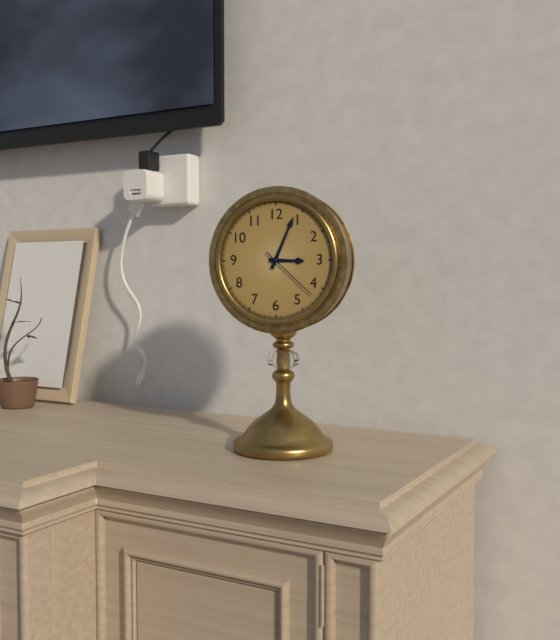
3:04:22
